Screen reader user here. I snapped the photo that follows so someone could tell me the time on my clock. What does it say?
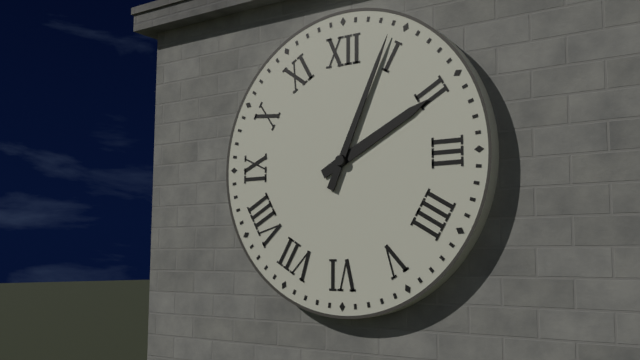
2:04
